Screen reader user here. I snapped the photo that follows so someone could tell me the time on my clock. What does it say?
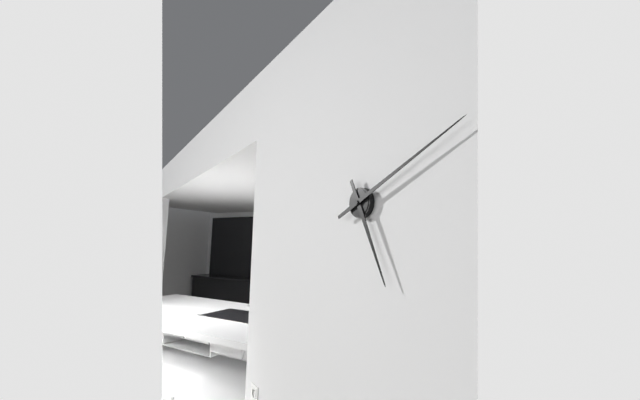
5:11
